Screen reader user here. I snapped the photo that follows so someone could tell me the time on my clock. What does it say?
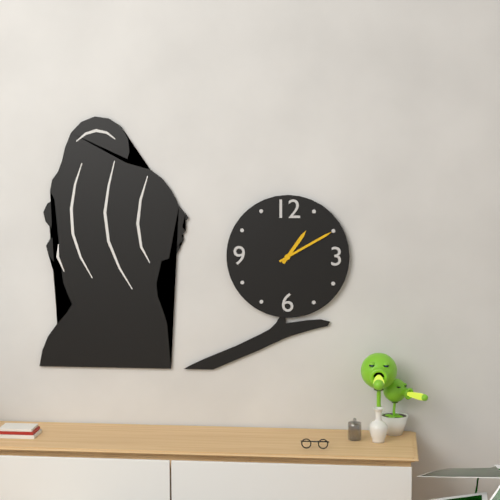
1:10
